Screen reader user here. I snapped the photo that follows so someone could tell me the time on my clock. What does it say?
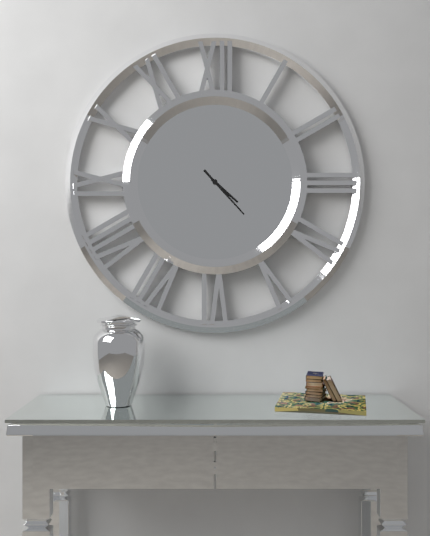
4:23
